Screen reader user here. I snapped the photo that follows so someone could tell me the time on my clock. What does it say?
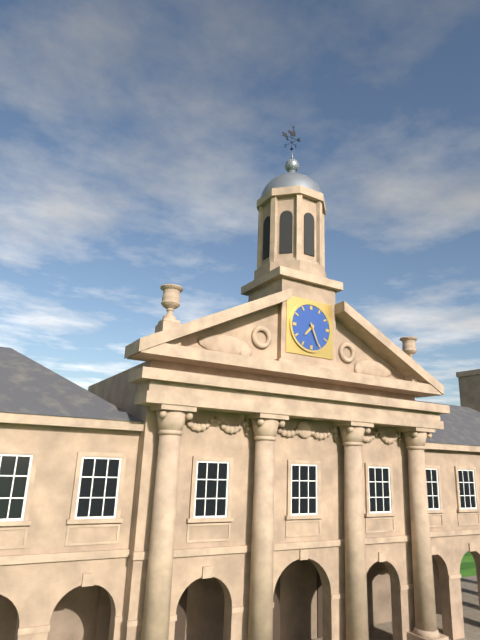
7:26
